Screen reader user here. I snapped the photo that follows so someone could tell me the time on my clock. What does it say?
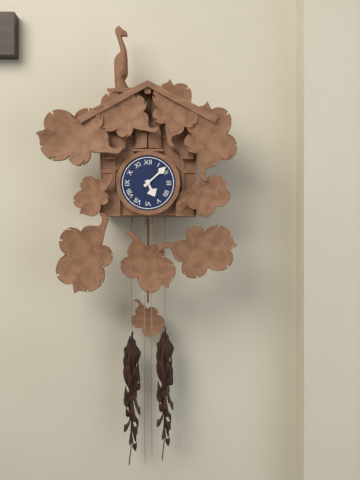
5:08
